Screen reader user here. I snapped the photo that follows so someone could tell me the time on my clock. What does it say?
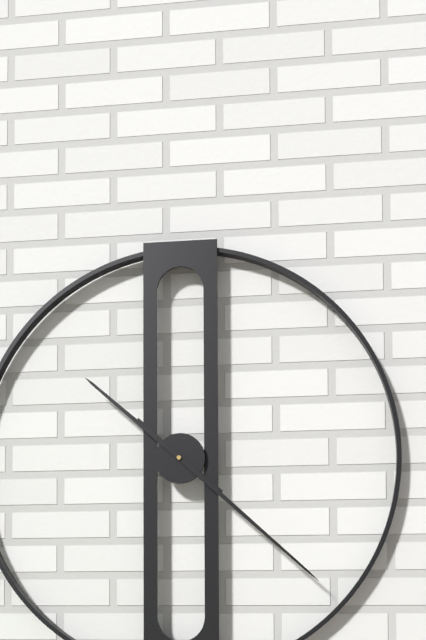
10:22
